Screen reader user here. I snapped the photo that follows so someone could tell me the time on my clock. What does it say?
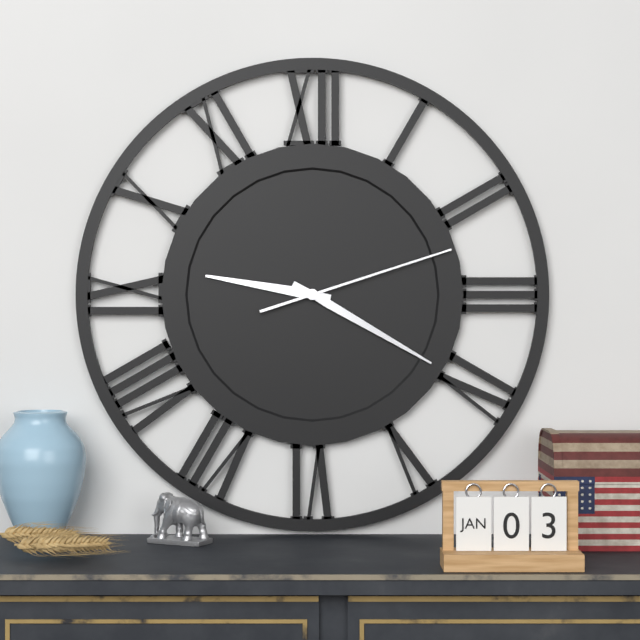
9:20:12
